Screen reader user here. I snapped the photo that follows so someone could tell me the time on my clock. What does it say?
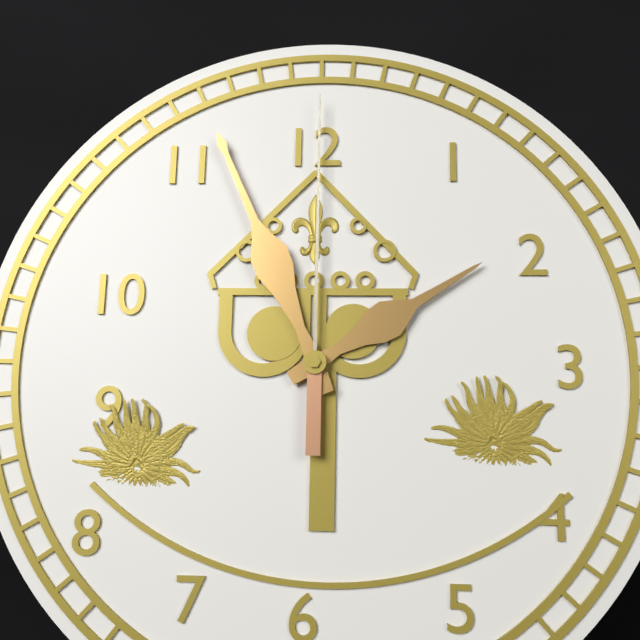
1:56:00
